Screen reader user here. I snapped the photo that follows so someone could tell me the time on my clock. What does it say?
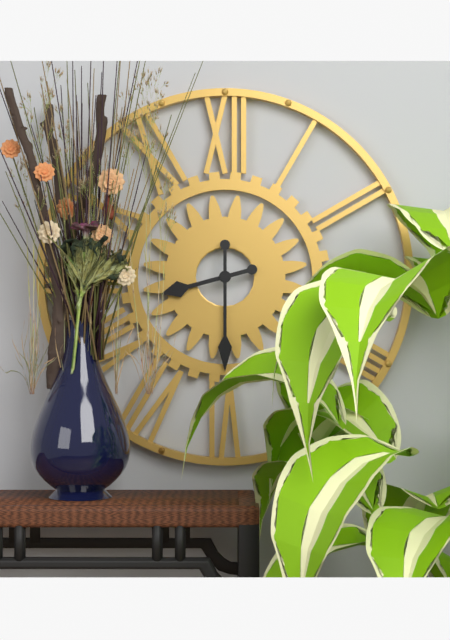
8:30
